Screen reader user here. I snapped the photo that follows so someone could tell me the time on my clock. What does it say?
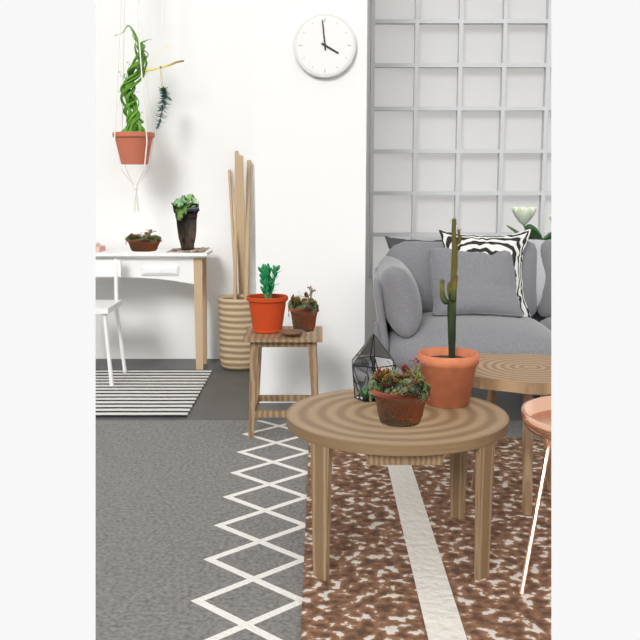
3:59
